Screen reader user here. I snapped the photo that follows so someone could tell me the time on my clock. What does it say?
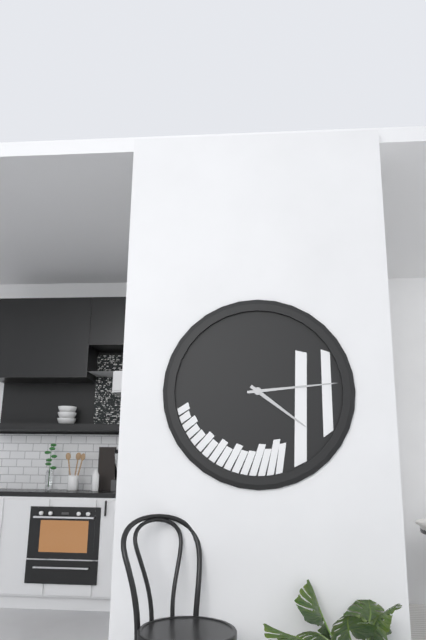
4:14
